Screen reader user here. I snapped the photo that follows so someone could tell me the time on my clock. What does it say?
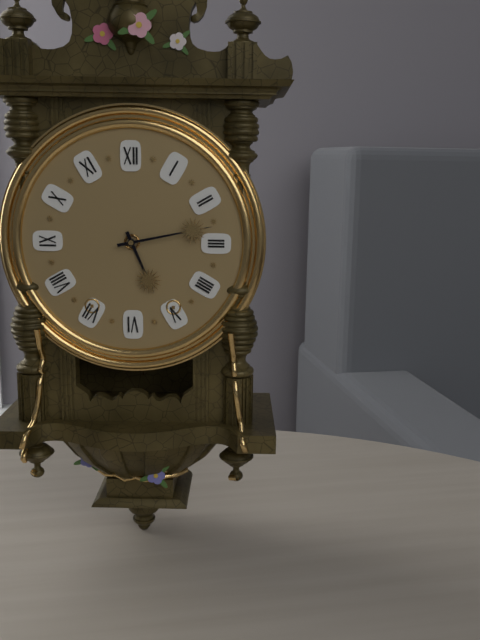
5:13
